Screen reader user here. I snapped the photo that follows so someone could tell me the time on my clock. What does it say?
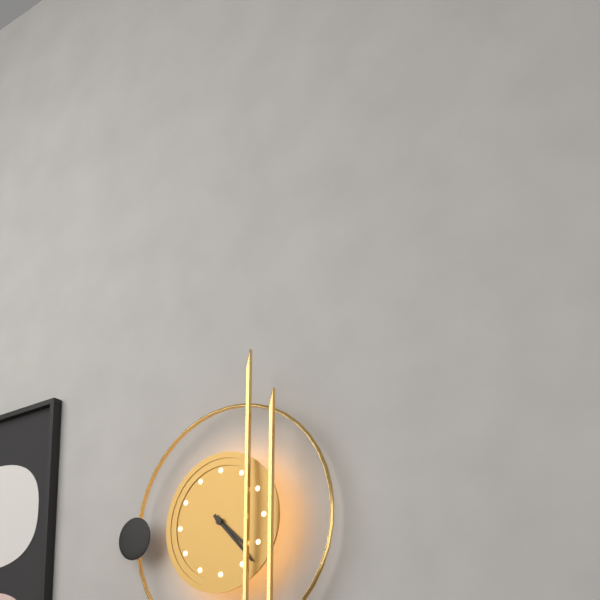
4:23
